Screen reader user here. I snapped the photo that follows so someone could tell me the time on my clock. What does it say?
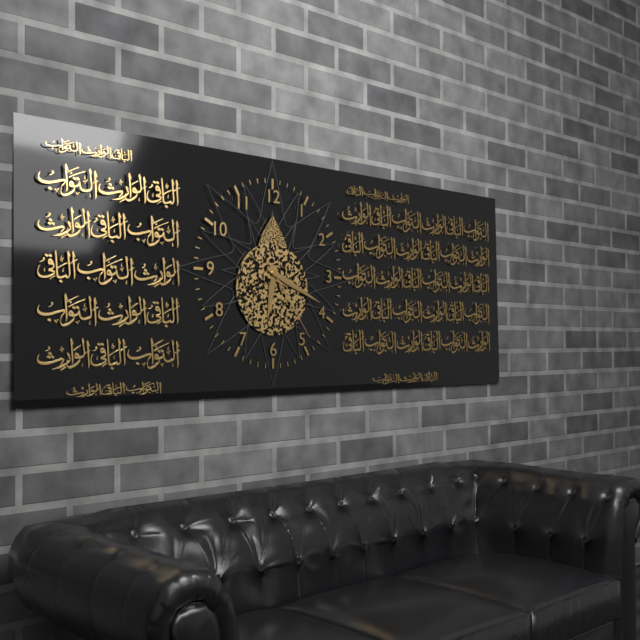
6:19:24
